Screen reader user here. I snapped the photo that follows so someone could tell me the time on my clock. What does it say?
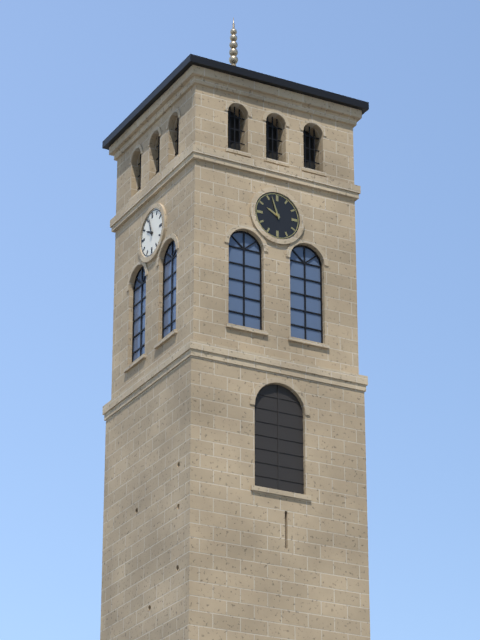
9:57
